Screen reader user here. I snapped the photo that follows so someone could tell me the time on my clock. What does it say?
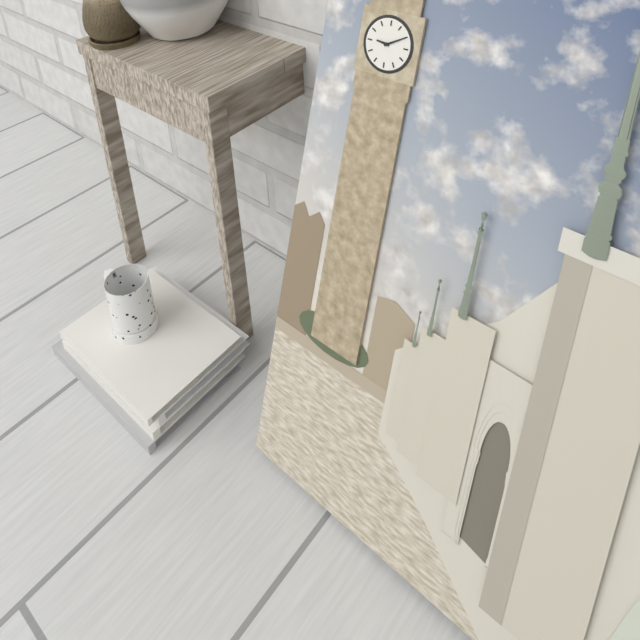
9:10
